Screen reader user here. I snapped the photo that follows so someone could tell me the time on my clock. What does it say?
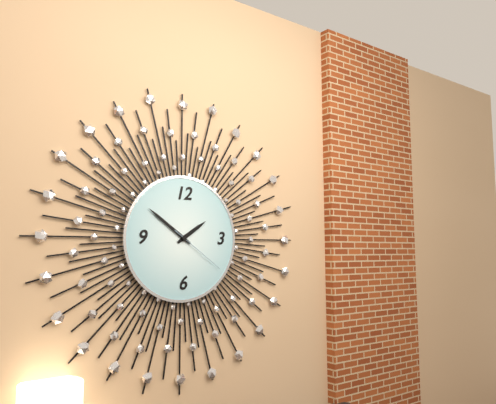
1:51:21
